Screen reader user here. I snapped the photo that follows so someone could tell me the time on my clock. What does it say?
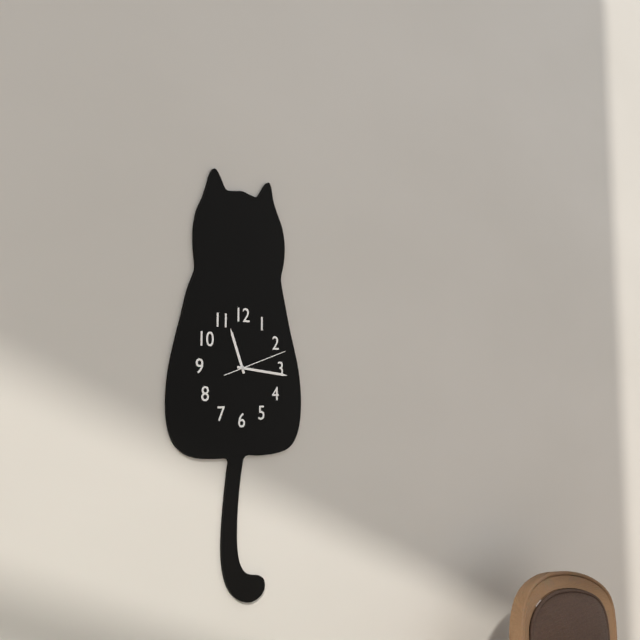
11:16:12
